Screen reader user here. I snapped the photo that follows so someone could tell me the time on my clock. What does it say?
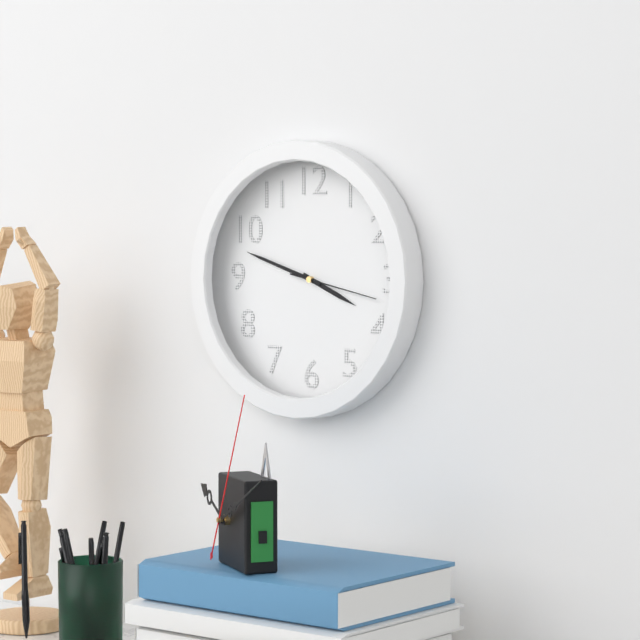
3:48:17
